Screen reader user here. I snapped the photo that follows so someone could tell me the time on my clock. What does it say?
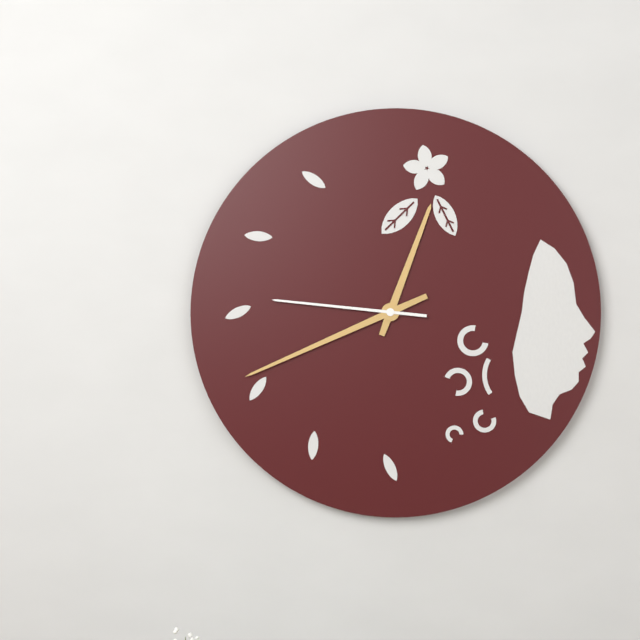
12:41:46
